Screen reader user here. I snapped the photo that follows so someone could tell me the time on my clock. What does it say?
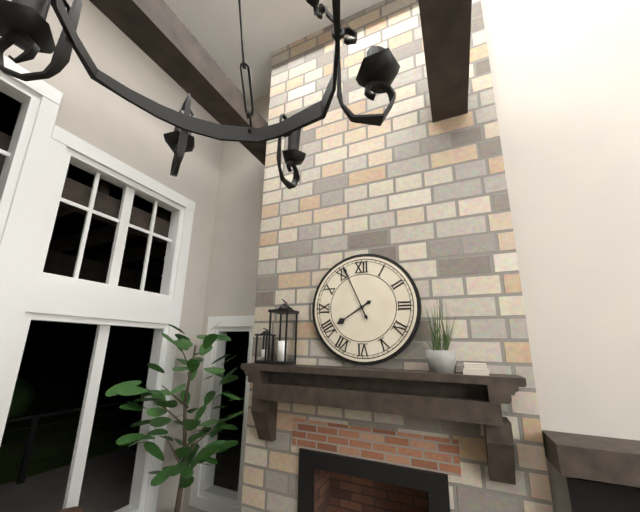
7:56
